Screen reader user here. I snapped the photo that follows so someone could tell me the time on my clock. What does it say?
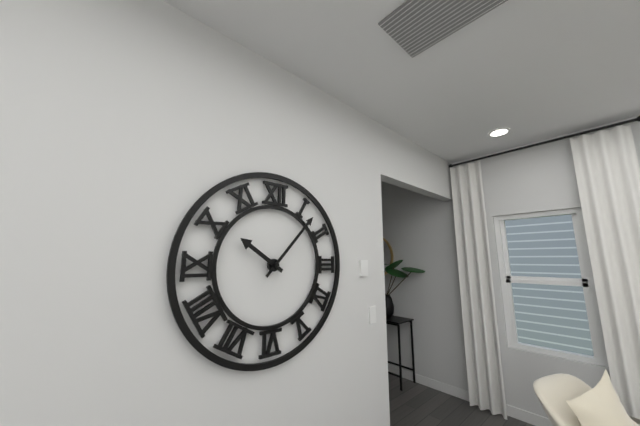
10:07
